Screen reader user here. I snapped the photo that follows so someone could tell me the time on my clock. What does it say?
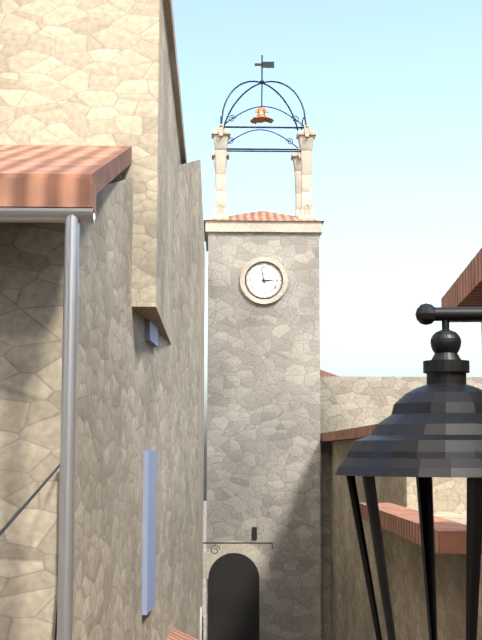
2:58
